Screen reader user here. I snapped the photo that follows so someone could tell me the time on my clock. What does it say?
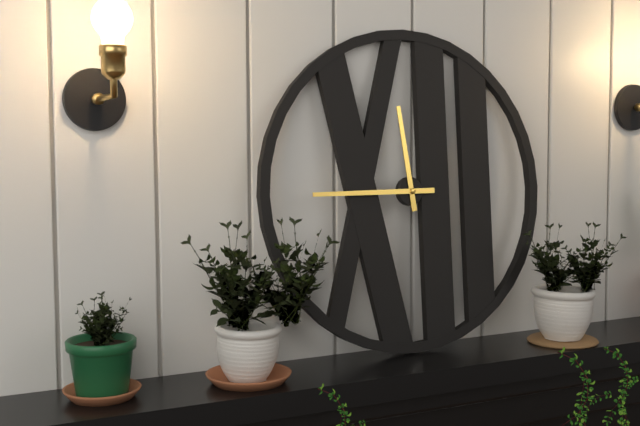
11:45
